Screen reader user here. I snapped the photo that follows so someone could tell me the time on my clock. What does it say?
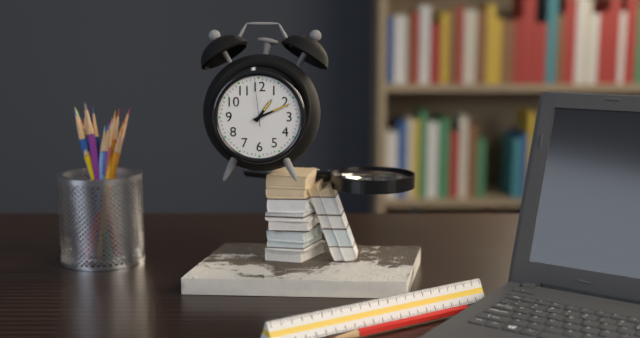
1:11
